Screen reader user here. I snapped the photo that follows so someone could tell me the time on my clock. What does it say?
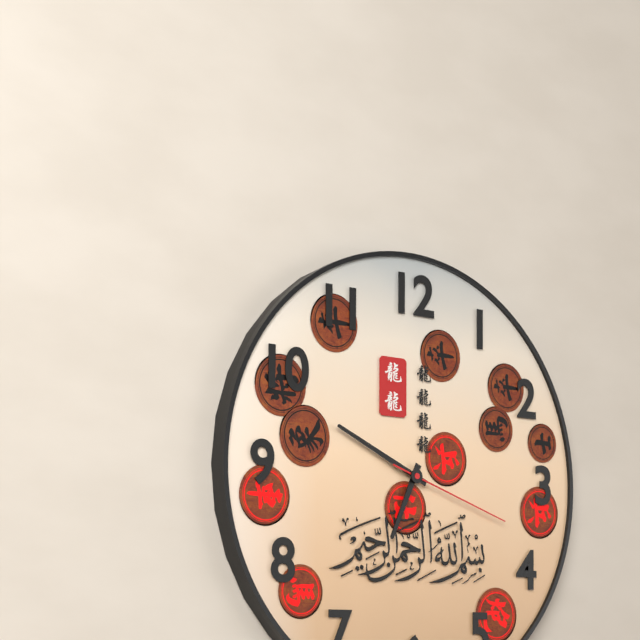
6:49:18
